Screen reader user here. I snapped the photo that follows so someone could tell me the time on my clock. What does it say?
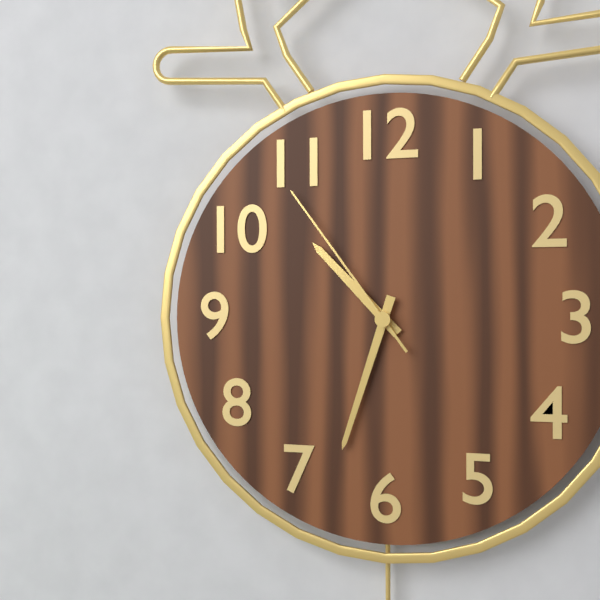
10:33:54
